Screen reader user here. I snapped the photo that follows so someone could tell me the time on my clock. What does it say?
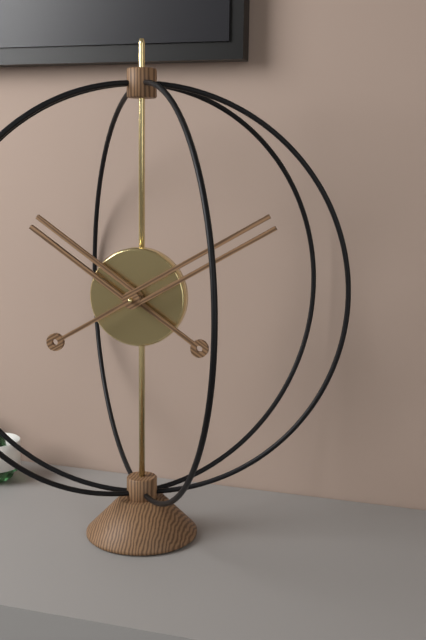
10:10
